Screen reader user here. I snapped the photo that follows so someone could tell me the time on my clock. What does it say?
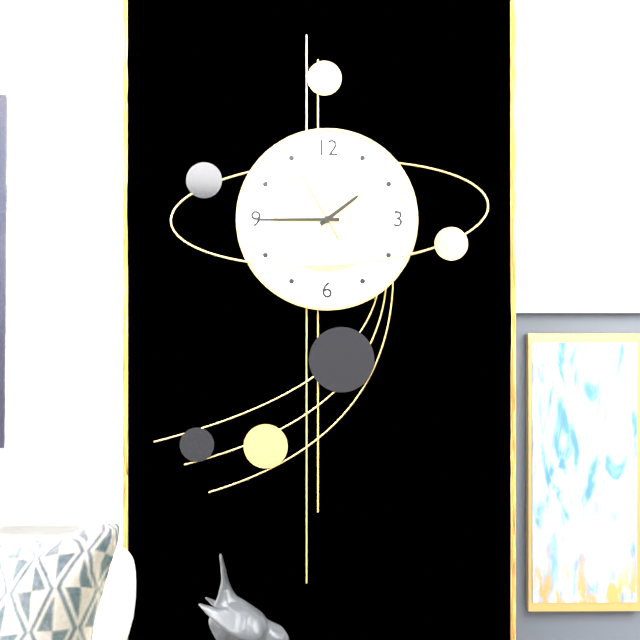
1:45:55
